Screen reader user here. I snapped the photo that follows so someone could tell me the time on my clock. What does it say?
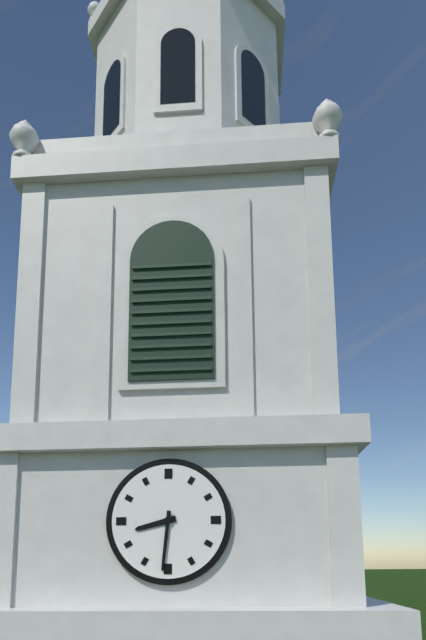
8:31
